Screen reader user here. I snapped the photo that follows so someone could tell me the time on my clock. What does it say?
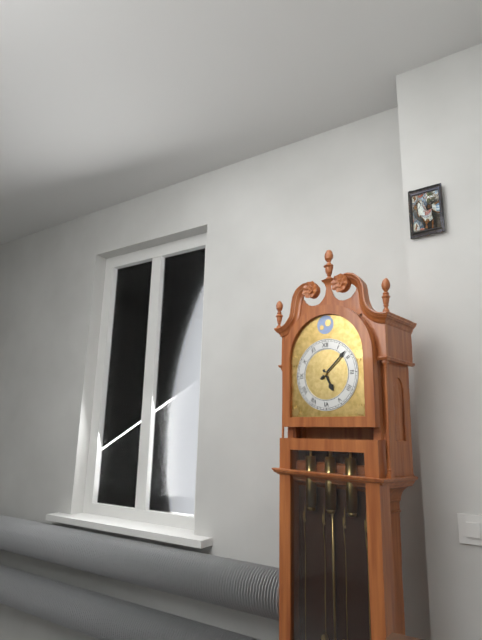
5:08
